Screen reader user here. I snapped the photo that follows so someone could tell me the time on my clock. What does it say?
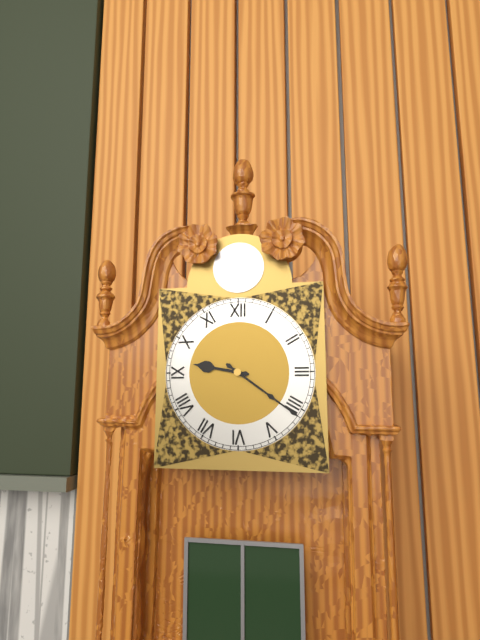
9:21
